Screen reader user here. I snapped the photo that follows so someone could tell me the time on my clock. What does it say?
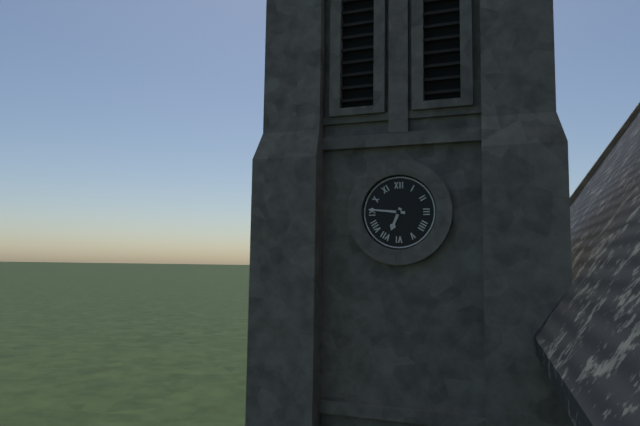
6:46
